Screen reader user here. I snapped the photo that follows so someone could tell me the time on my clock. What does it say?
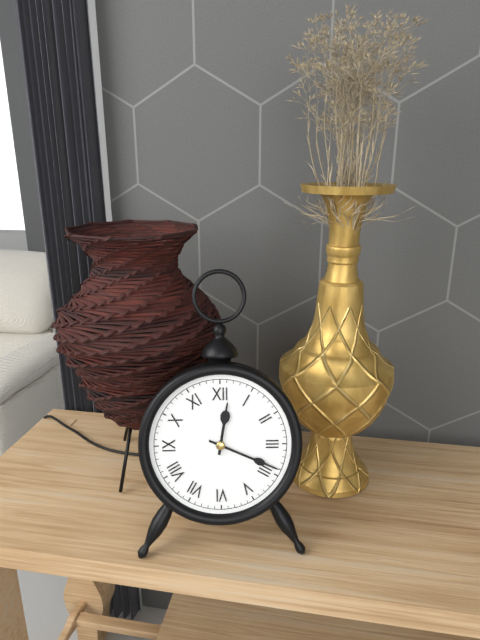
12:19
